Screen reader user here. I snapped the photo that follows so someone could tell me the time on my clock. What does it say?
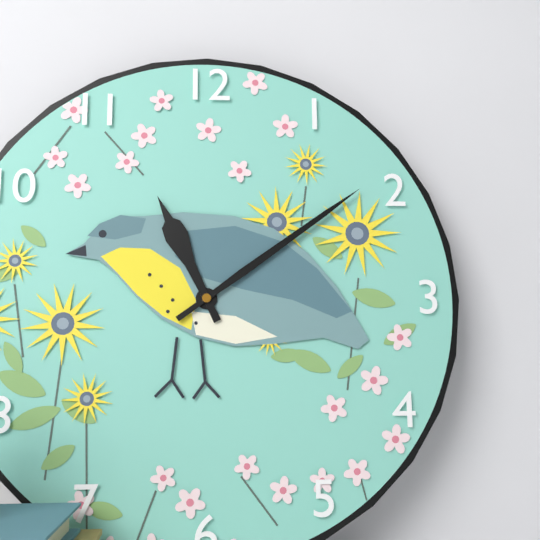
11:09
